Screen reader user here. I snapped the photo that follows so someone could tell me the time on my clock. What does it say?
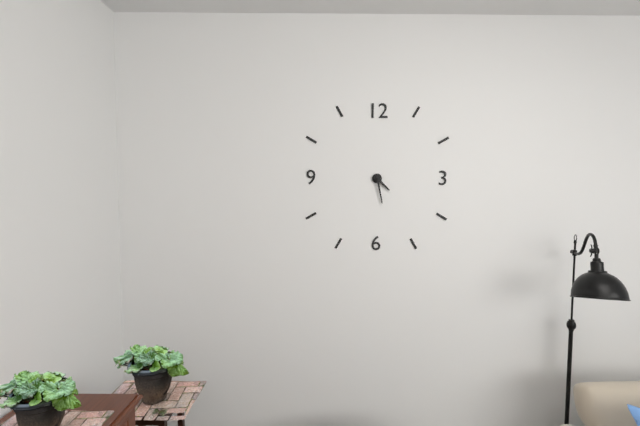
4:28
